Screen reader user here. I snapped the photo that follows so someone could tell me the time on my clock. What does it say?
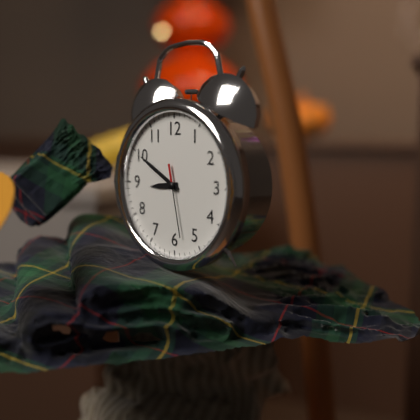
8:50:28
